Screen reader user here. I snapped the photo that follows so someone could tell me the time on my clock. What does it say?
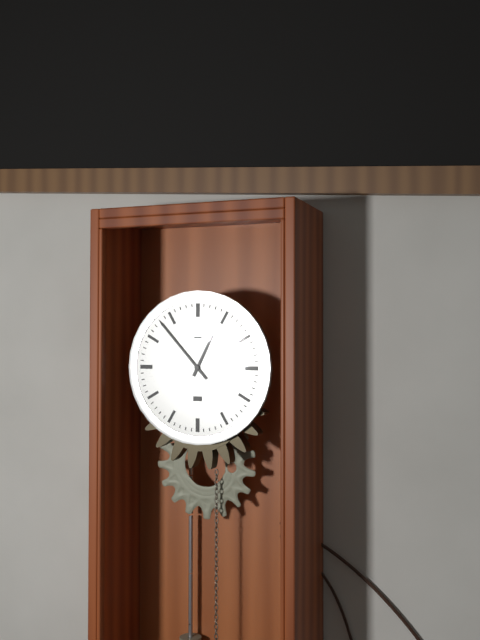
12:53
